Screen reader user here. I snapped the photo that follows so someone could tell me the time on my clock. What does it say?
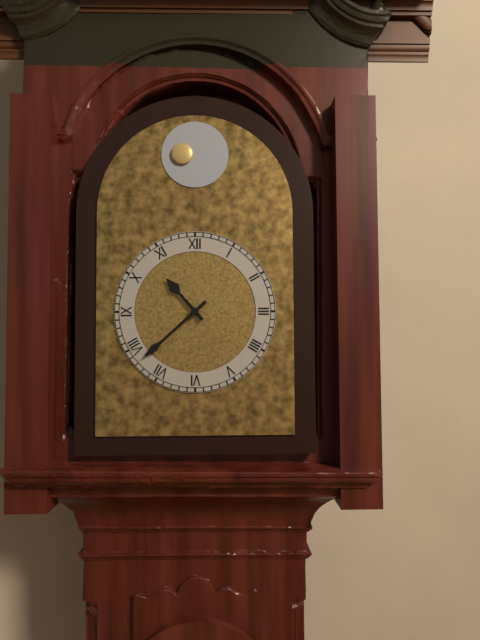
10:38
